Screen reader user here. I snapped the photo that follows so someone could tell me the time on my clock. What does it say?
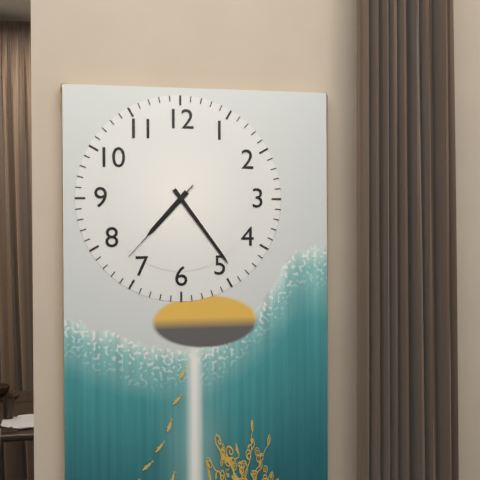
7:24:37
